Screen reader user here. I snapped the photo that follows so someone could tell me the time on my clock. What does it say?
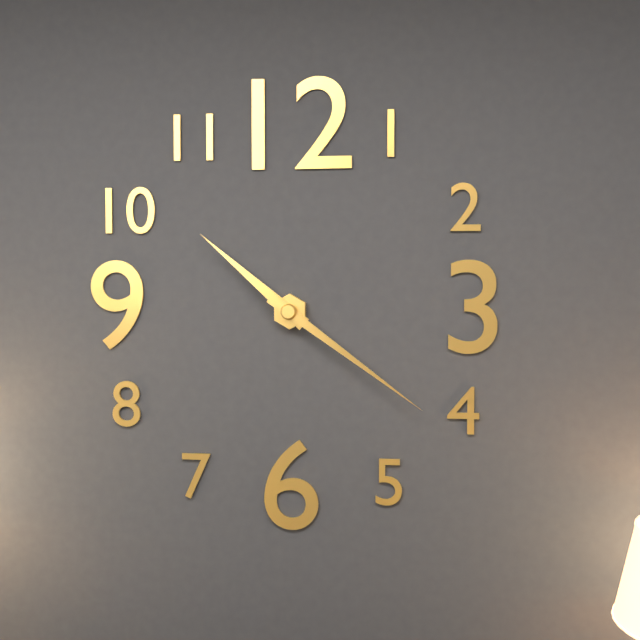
10:21
